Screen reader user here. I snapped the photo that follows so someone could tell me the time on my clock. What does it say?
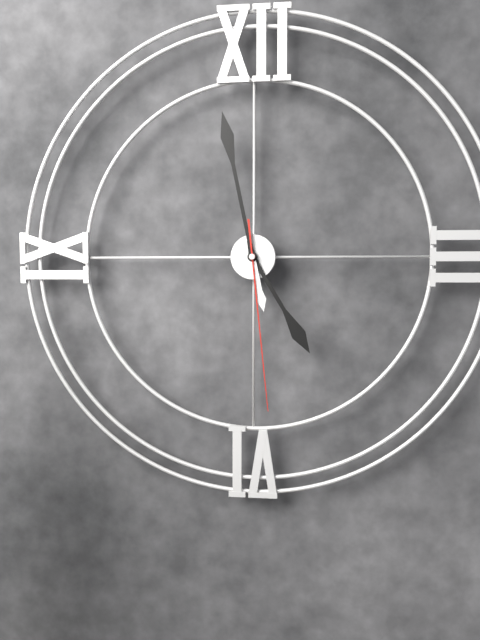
4:58:29
